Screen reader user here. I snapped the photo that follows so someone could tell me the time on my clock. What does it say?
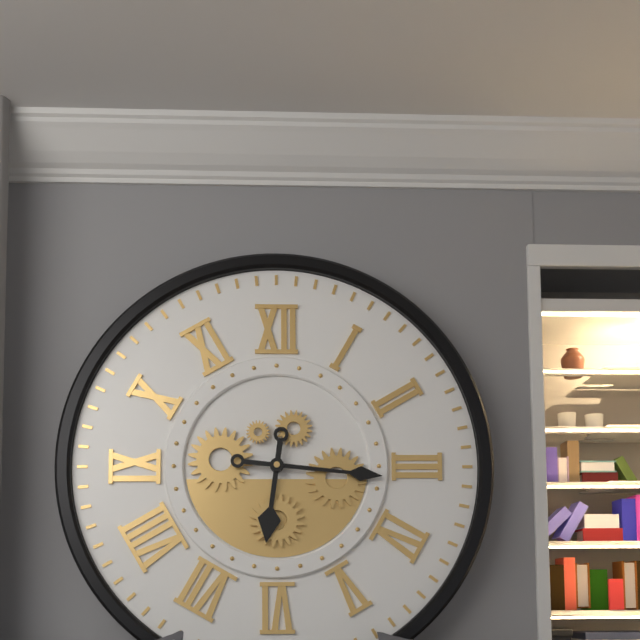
6:16
